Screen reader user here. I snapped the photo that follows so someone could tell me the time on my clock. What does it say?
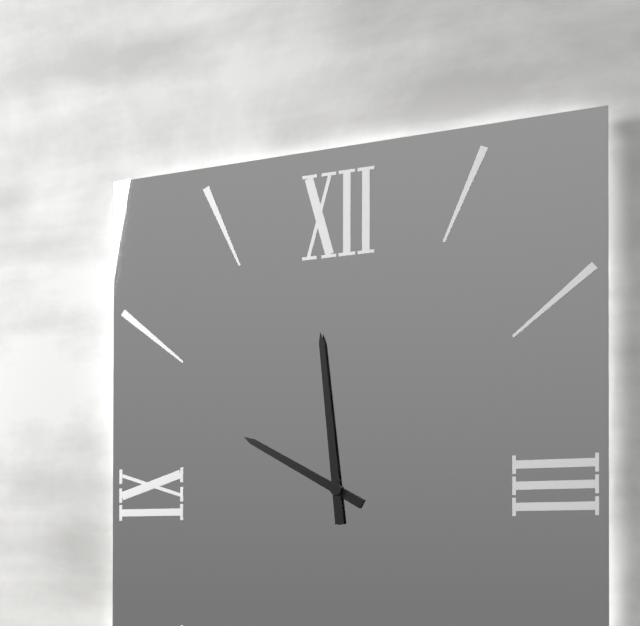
9:59
